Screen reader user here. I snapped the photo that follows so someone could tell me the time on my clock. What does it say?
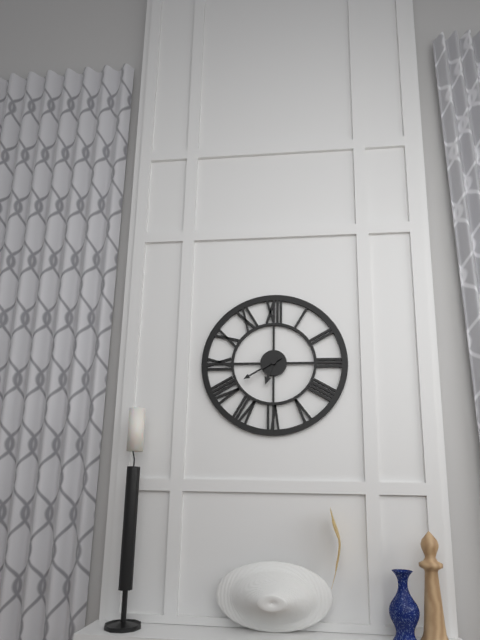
6:40
